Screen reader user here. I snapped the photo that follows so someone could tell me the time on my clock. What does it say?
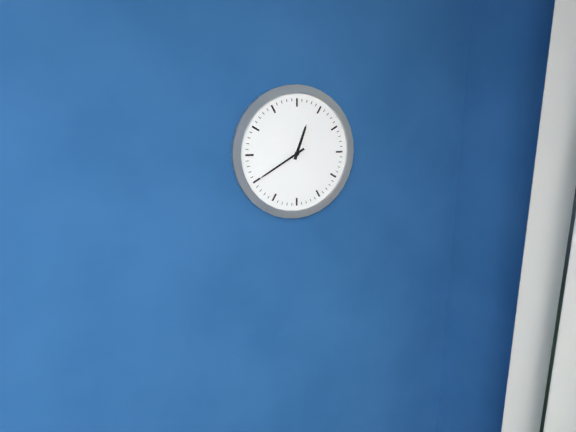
12:40
